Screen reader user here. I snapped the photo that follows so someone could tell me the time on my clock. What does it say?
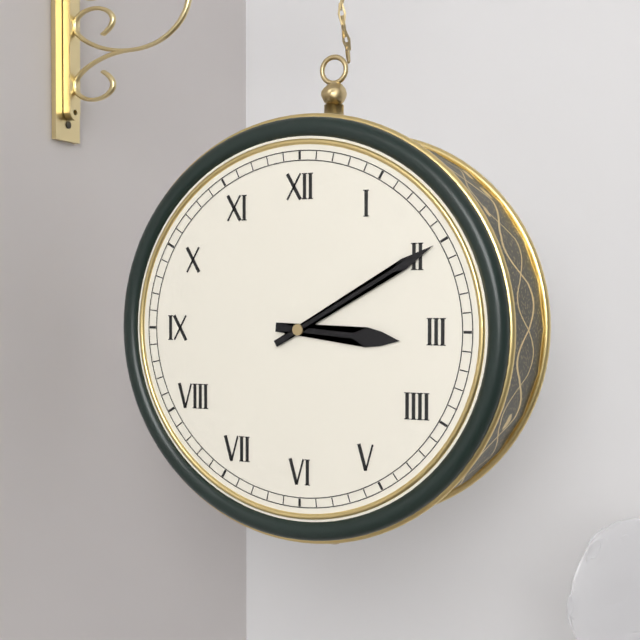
3:10
